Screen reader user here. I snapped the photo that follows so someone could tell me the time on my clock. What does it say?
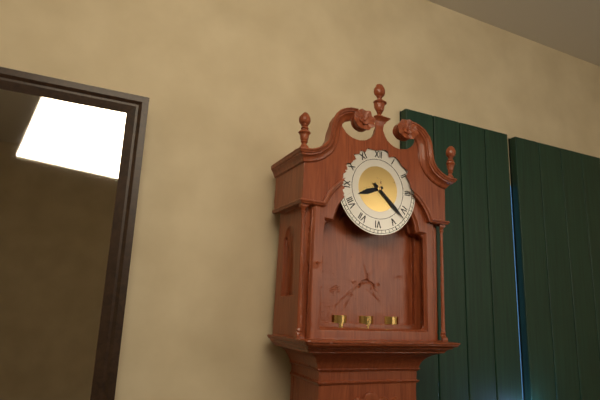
8:22
